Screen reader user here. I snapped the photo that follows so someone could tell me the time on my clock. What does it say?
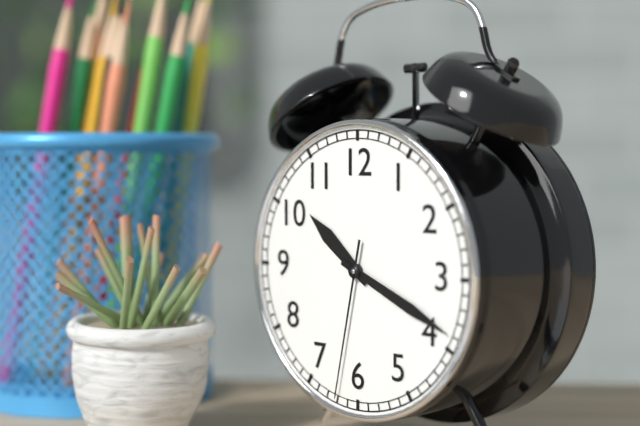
10:19:32
